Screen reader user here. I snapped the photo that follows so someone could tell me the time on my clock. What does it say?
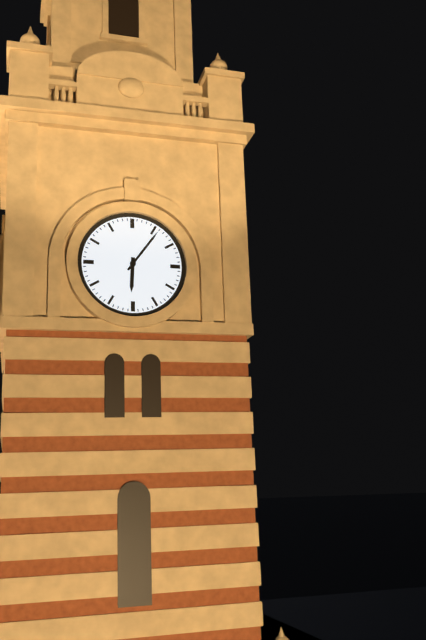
6:06
